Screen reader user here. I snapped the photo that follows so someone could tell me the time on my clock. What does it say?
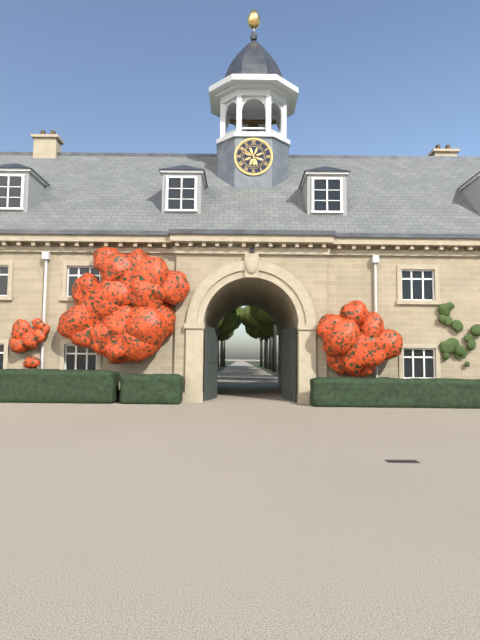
5:51
